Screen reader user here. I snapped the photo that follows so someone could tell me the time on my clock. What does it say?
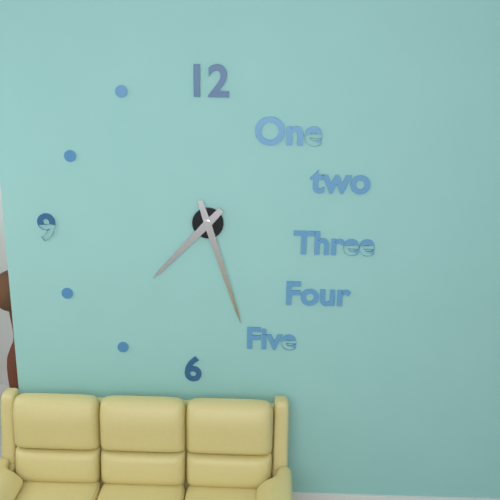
7:27
